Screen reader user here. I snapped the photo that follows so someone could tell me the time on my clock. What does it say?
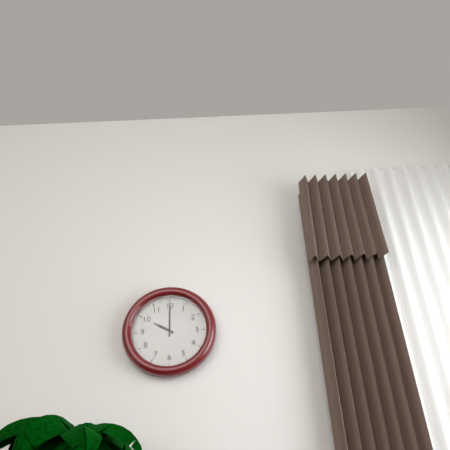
10:00
